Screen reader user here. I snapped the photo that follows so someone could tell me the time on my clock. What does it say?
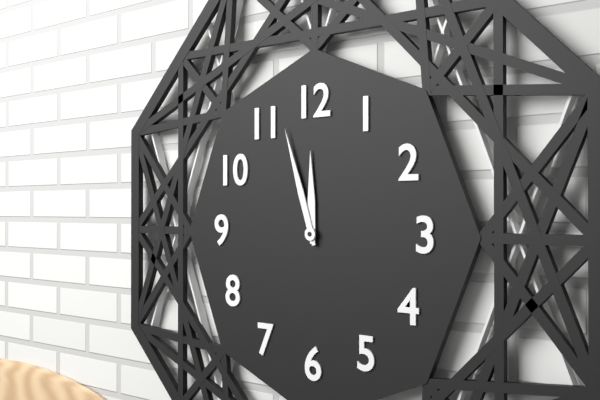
11:57
